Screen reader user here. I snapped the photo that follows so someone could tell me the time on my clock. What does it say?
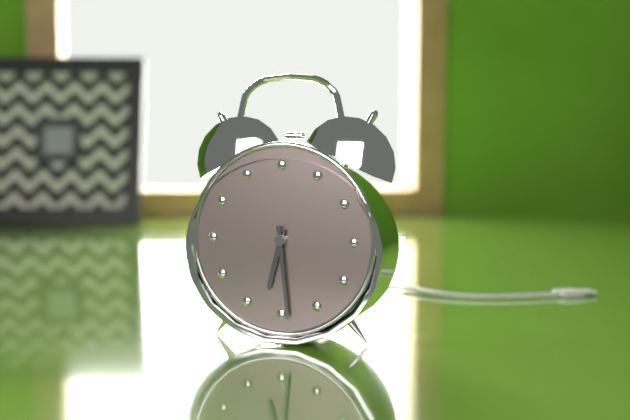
6:29
